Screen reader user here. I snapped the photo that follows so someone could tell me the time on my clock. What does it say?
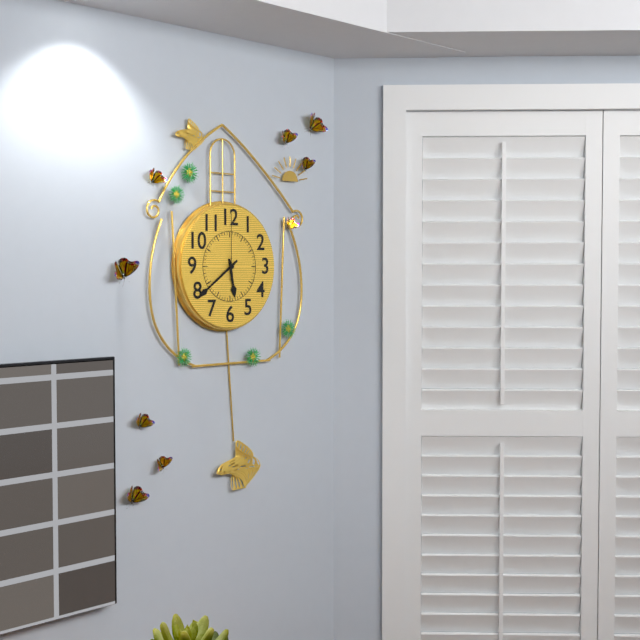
5:39:00
